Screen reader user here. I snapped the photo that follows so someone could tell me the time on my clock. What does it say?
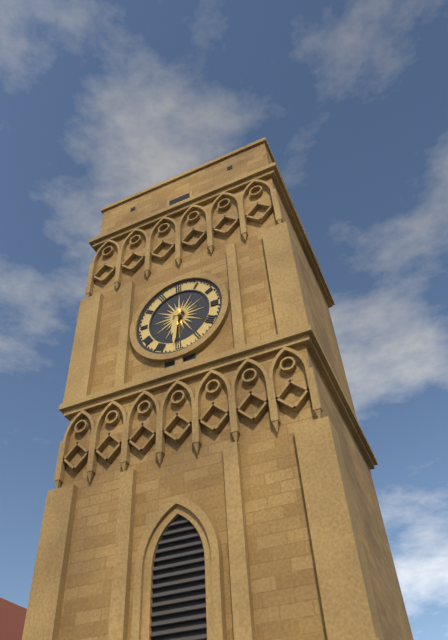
6:31
